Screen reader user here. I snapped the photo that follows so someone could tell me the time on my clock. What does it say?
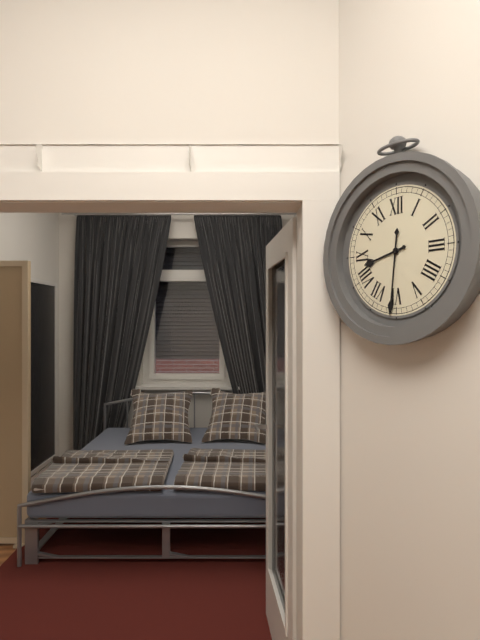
8:31
